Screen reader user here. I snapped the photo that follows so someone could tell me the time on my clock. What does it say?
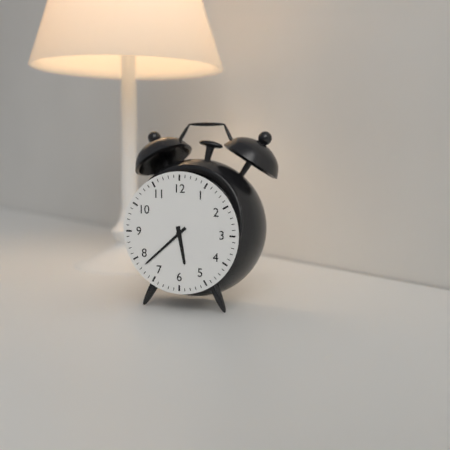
5:38
